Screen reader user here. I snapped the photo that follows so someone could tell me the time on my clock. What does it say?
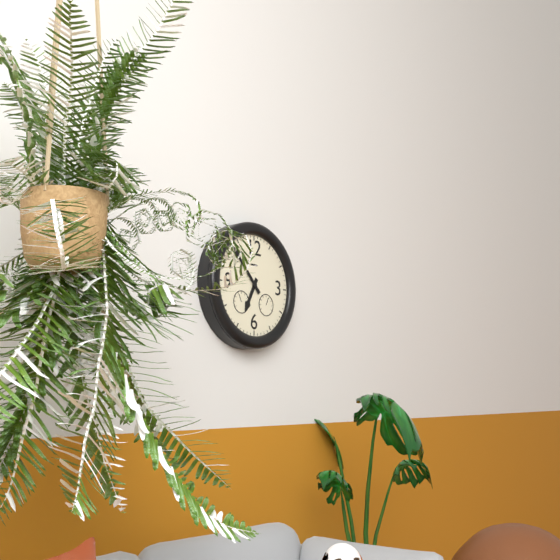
6:53
